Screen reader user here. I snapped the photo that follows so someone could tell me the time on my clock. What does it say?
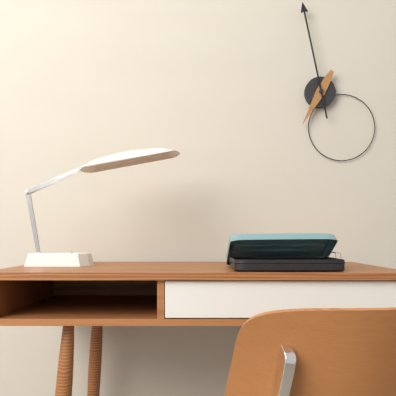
6:58
